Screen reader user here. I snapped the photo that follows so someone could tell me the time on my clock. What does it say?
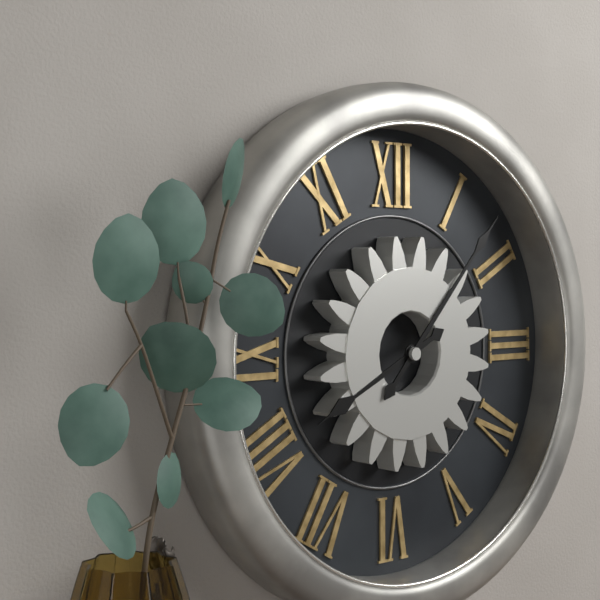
8:07
